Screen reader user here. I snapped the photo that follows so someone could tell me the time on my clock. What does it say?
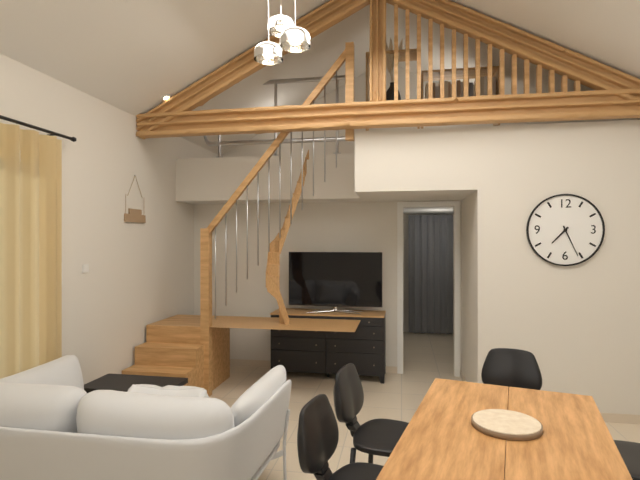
7:26
